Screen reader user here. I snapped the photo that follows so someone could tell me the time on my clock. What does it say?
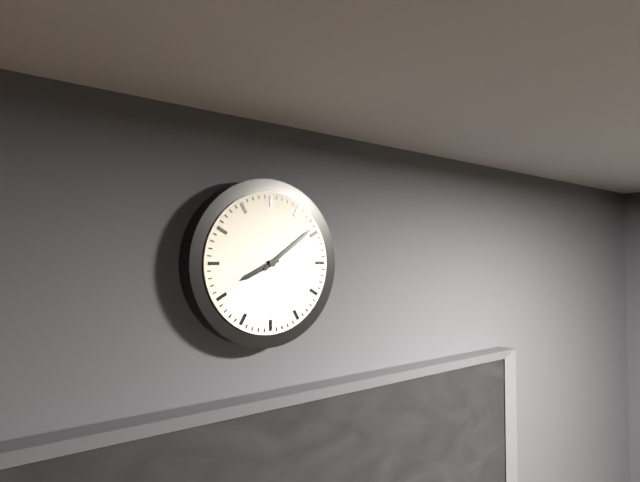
8:09
